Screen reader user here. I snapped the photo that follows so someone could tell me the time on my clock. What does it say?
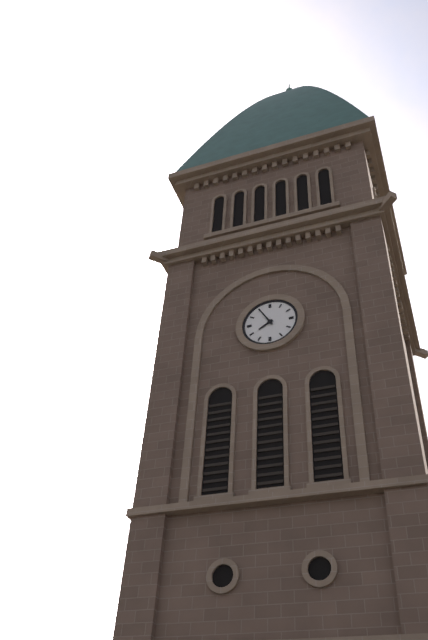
7:55
